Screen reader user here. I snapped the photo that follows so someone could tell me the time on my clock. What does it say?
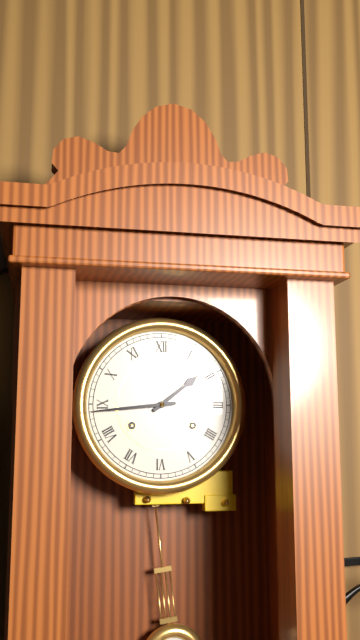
1:44
